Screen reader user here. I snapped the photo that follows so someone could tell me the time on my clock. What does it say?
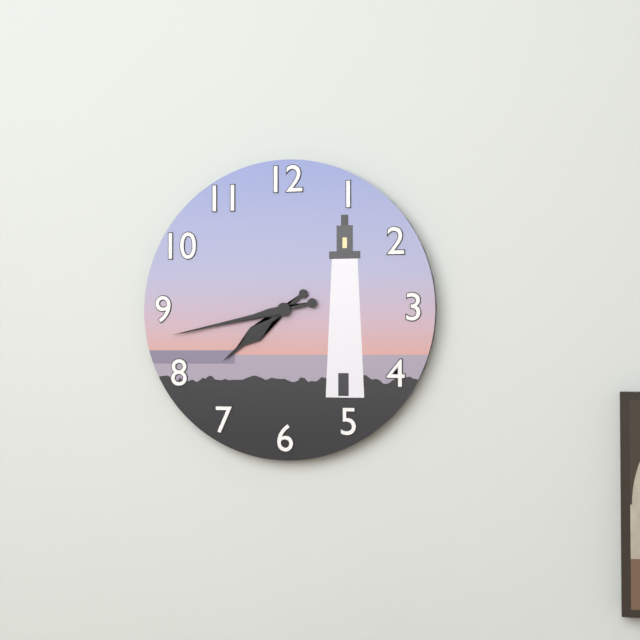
7:43
